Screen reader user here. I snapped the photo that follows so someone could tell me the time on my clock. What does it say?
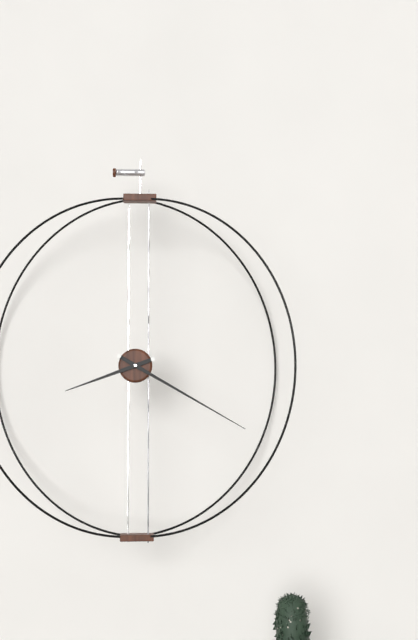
8:20
